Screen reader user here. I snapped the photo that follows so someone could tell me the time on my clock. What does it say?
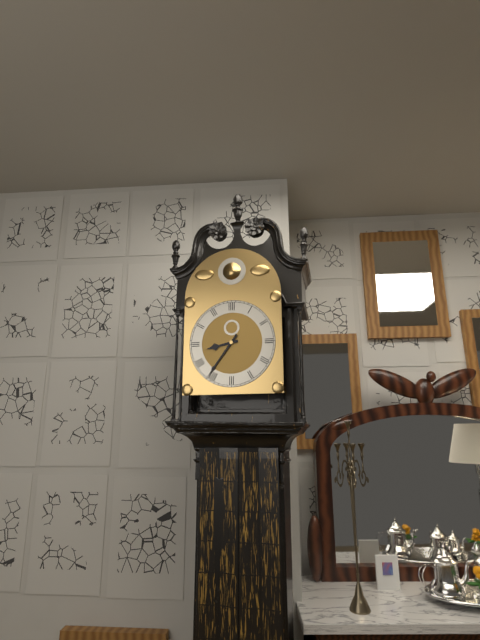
8:36
